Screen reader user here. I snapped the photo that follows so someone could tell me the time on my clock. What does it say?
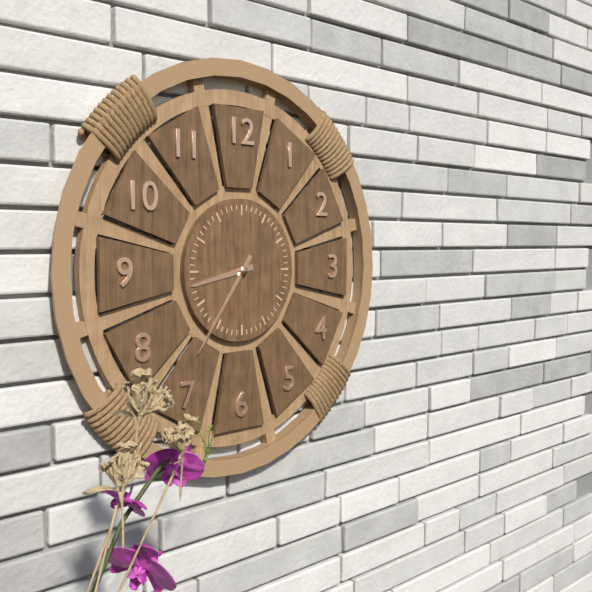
8:36
